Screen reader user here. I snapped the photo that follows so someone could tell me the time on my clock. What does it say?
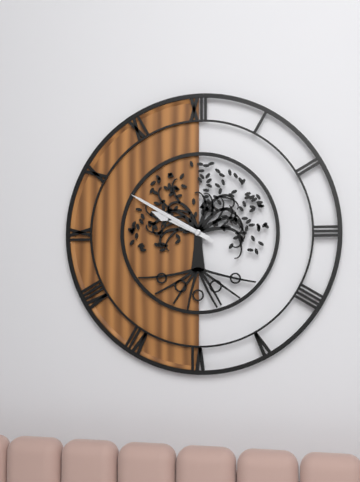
9:50
